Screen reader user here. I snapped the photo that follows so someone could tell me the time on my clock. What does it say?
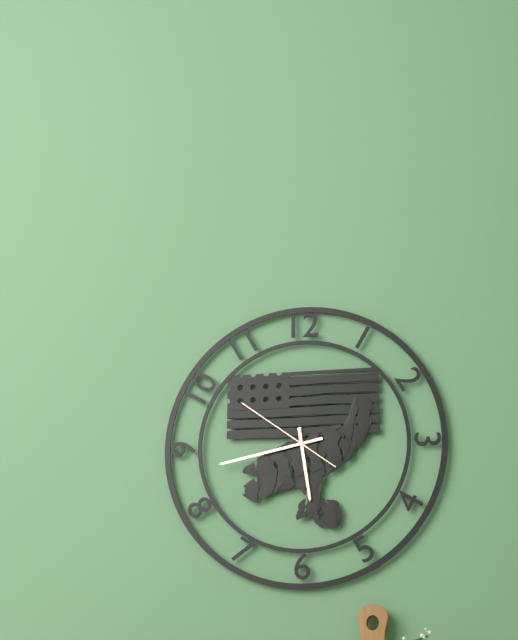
5:43:51
